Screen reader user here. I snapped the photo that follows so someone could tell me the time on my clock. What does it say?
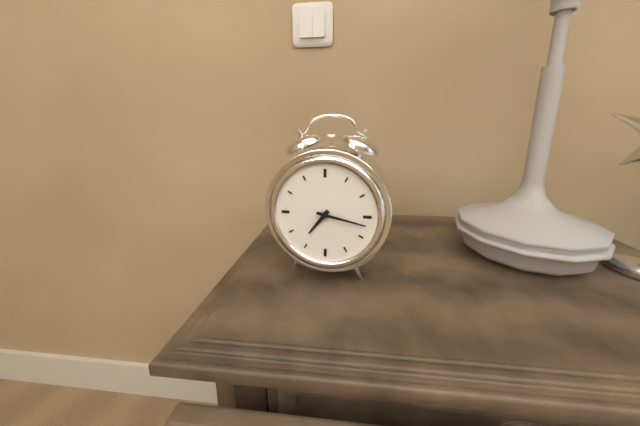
7:17
